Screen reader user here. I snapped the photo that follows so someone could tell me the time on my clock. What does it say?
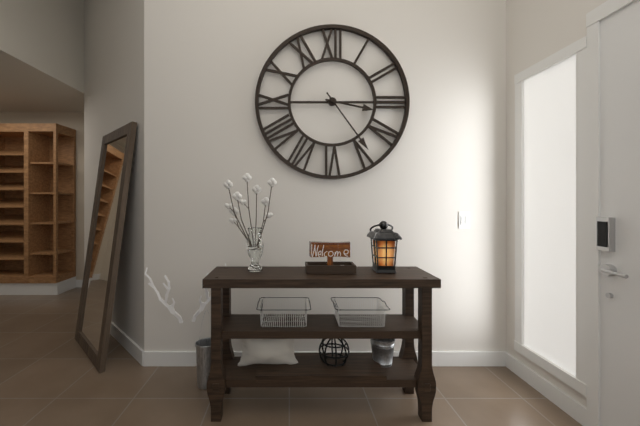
3:24
